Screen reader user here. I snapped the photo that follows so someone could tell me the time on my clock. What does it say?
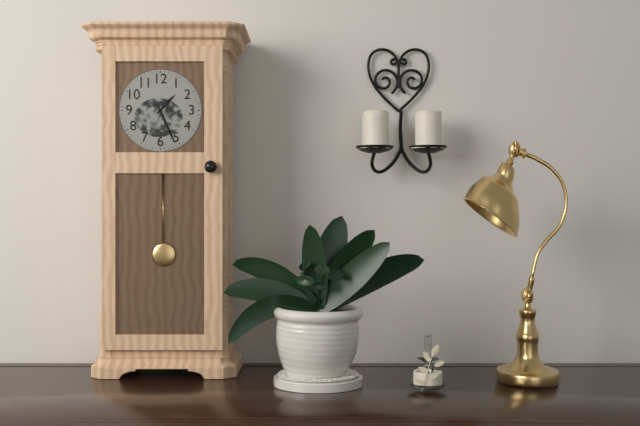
1:26
